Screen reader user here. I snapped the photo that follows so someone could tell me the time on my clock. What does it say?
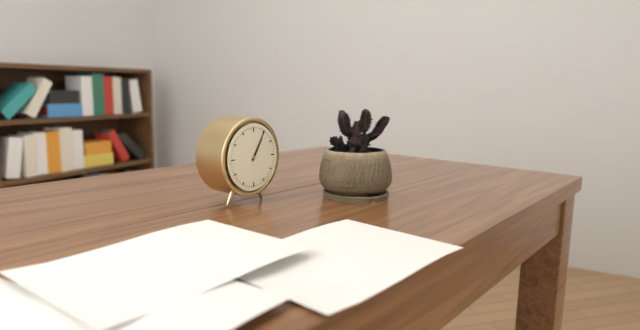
1:05
